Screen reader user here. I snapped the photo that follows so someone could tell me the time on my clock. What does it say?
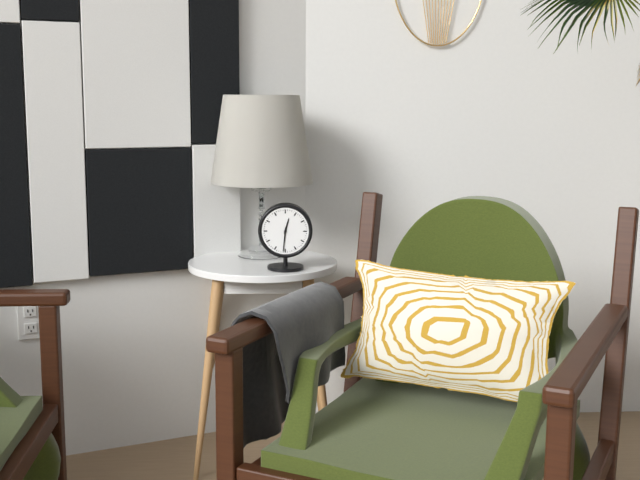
12:31
